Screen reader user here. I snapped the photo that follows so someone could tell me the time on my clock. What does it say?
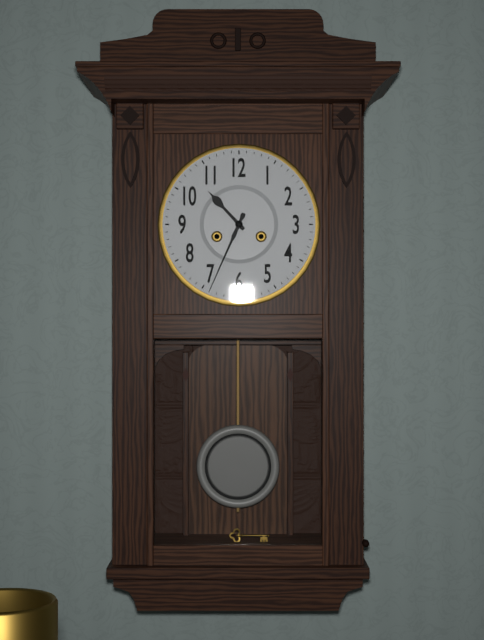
10:34
